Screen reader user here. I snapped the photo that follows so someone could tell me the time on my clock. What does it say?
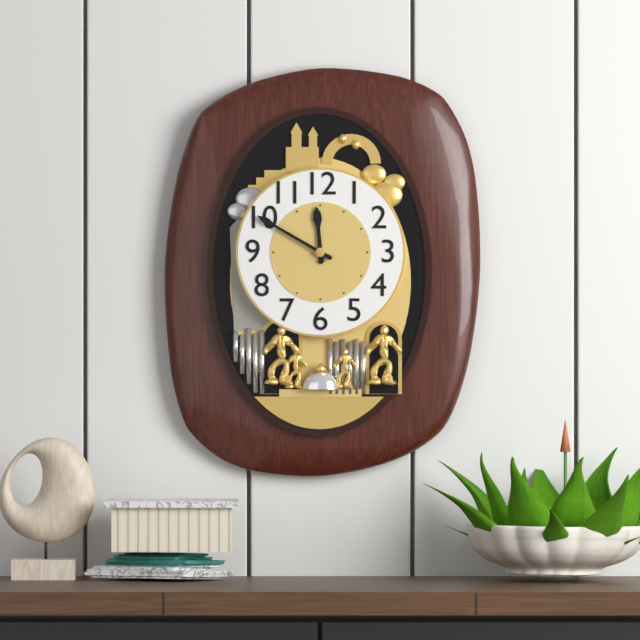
11:50
